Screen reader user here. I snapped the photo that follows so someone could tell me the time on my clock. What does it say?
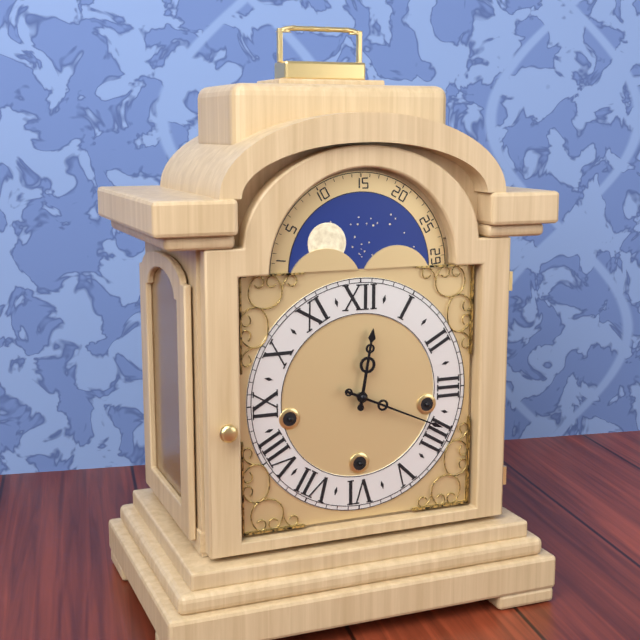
12:19
